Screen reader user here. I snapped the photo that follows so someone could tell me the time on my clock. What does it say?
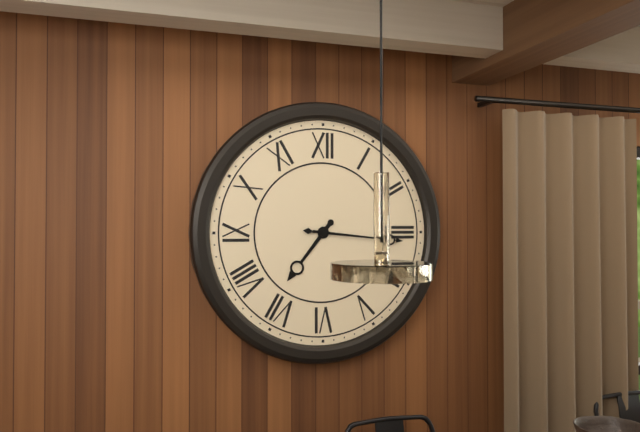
7:16
